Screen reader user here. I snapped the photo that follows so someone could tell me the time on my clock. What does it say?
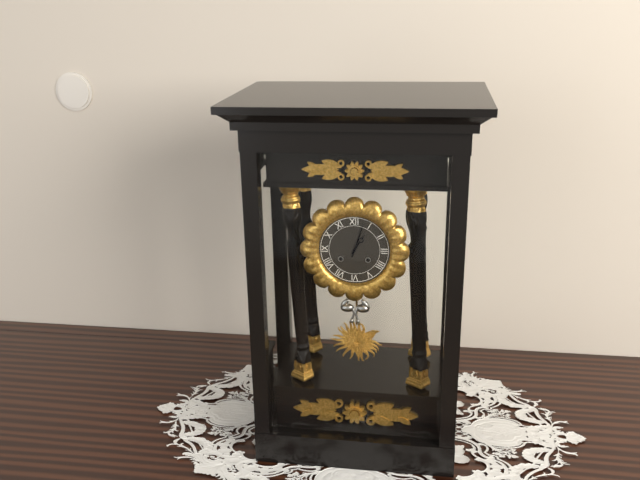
1:03
